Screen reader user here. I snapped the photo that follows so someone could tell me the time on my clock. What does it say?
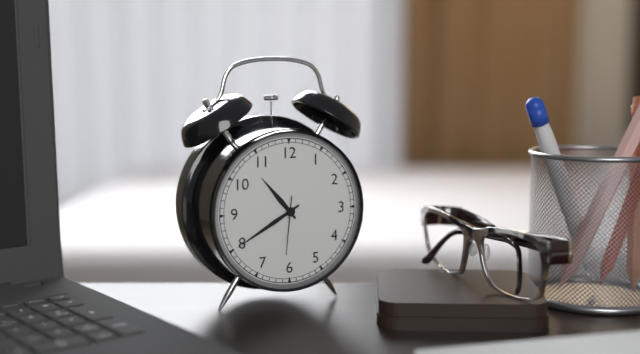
10:40:31
